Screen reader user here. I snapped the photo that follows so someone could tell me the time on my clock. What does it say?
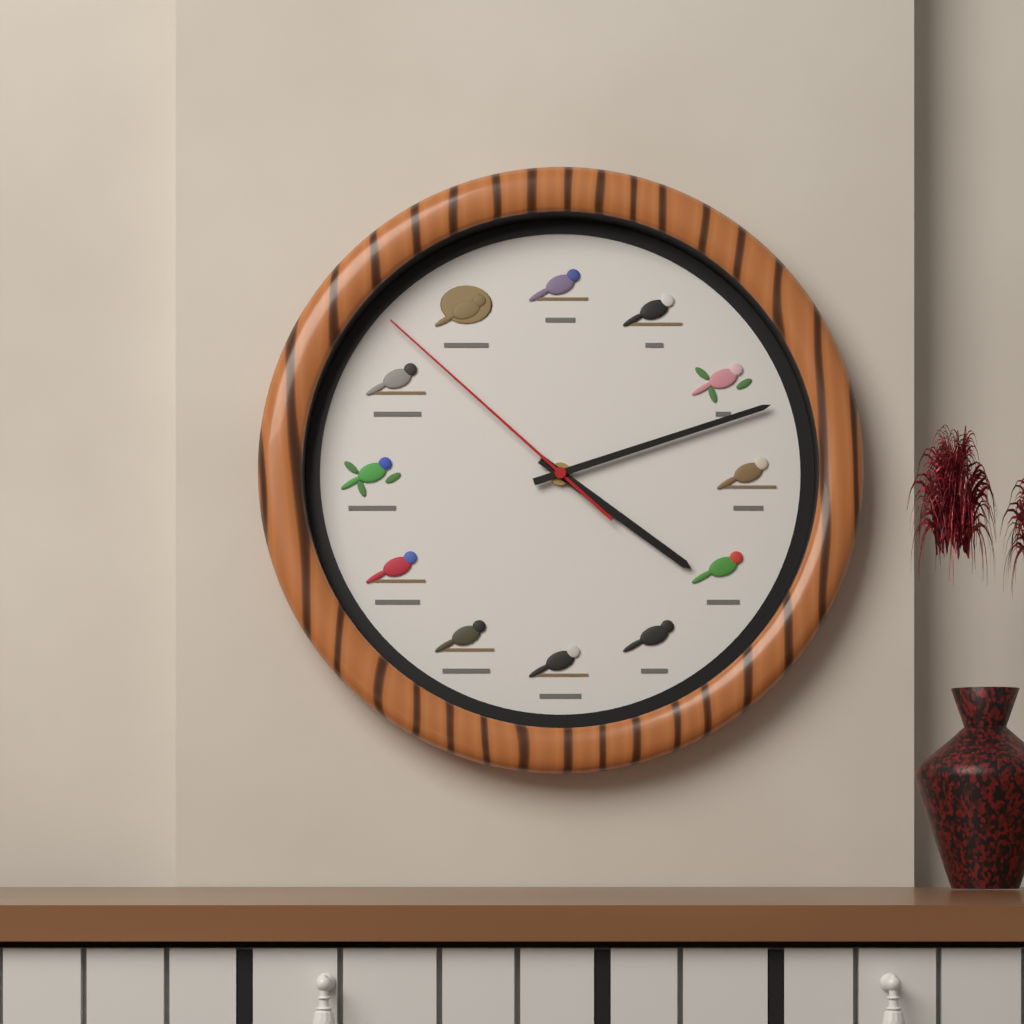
4:12:52
